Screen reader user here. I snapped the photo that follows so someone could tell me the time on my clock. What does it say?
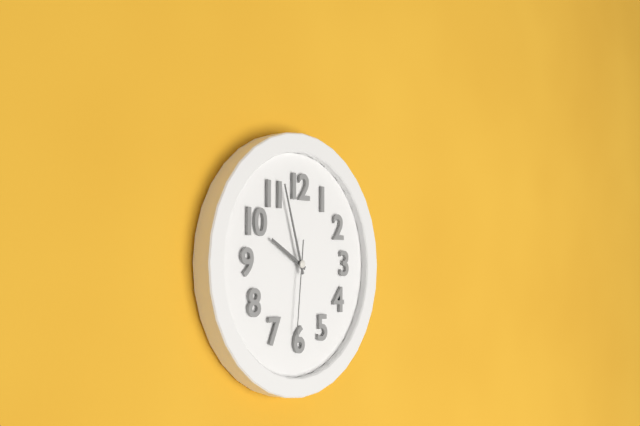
9:57:31
